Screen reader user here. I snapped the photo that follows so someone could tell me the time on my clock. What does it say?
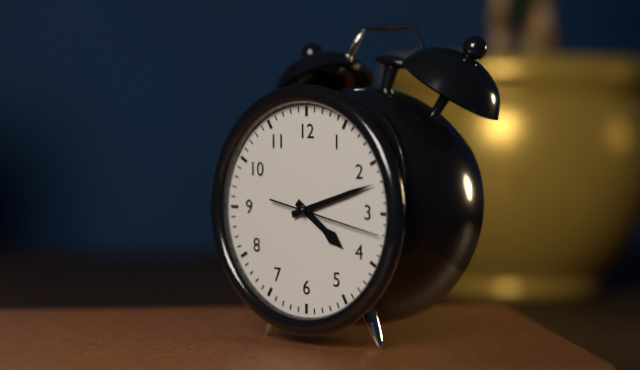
4:12:17
